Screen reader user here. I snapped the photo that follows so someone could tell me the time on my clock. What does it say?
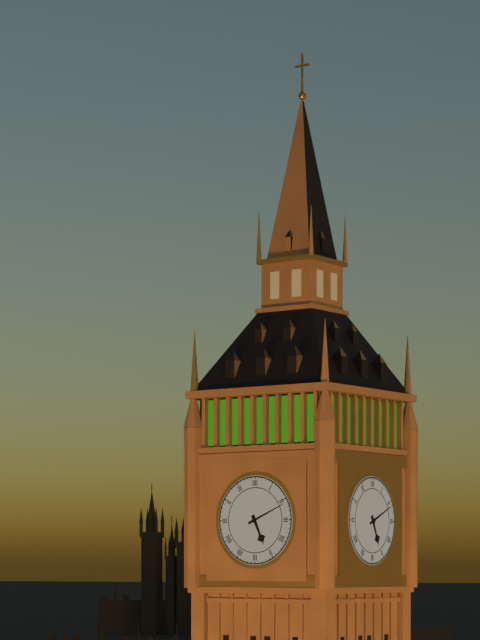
5:11
